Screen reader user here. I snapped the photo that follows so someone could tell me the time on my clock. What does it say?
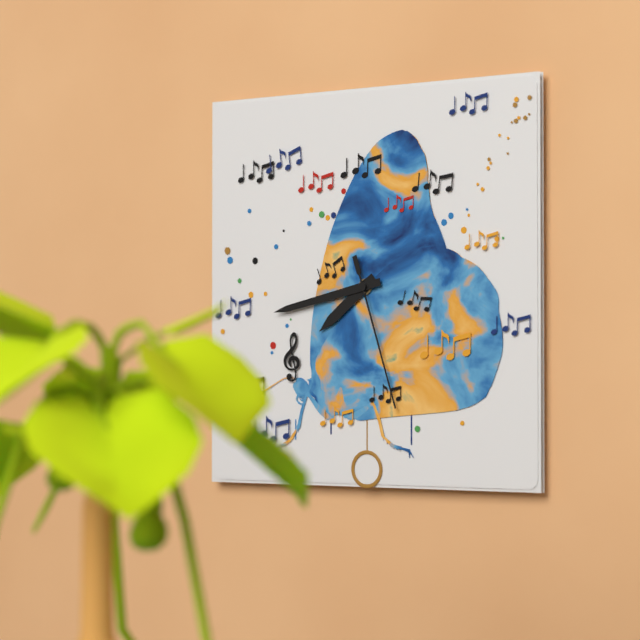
7:43:27
